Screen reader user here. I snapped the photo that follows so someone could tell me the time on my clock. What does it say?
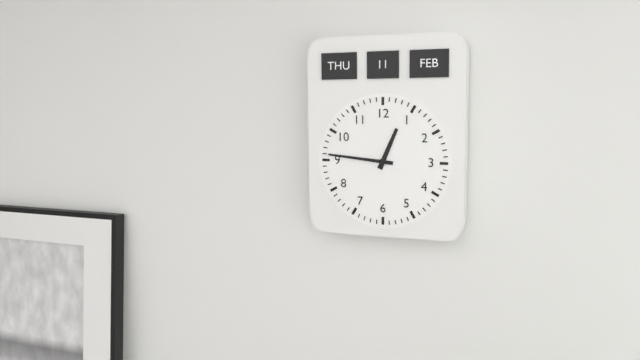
12:46
